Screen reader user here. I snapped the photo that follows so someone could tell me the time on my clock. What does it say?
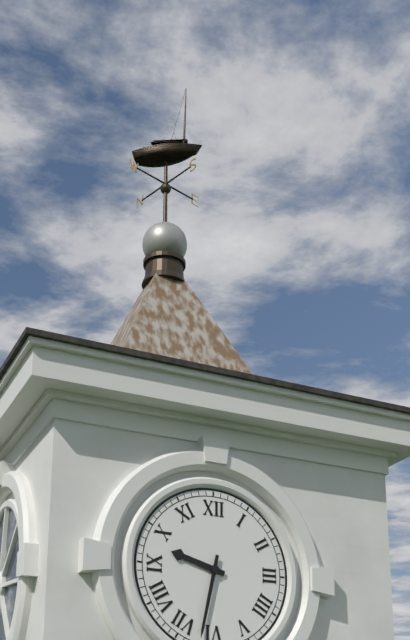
9:32
